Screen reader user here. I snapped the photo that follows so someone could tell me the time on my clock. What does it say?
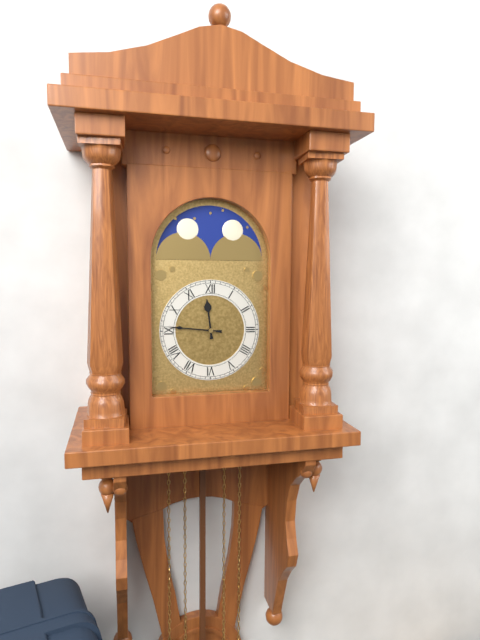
11:46
